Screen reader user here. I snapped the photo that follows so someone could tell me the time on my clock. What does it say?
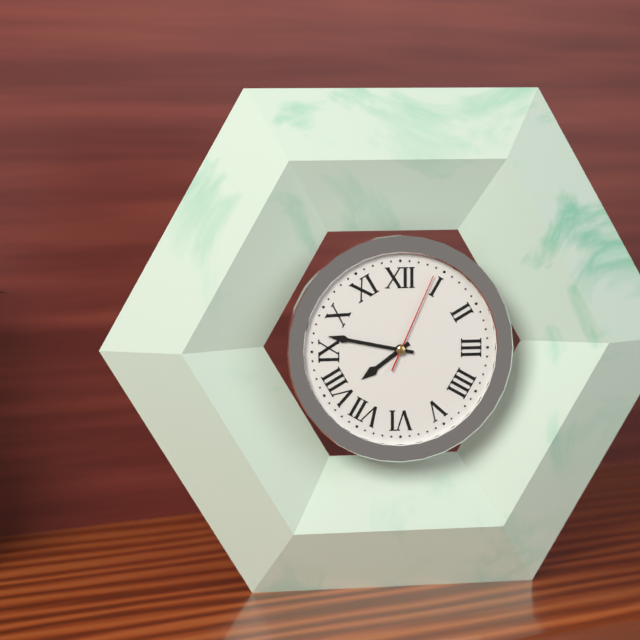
7:47:04
